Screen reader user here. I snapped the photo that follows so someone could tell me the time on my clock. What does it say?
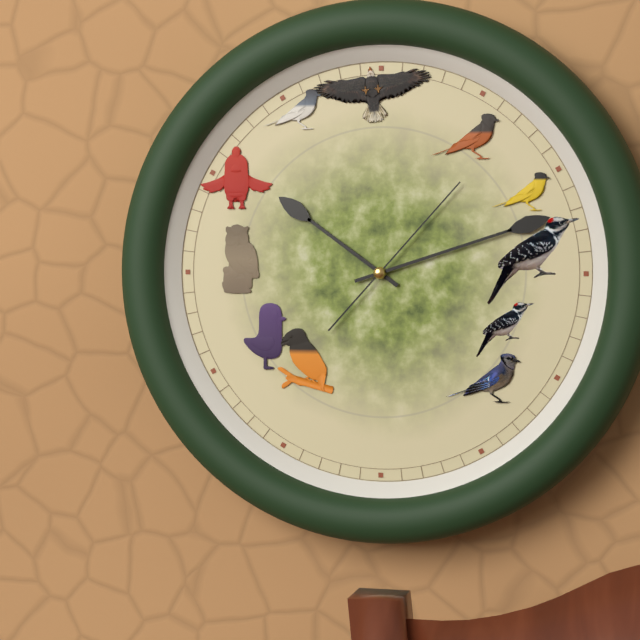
10:12:07
